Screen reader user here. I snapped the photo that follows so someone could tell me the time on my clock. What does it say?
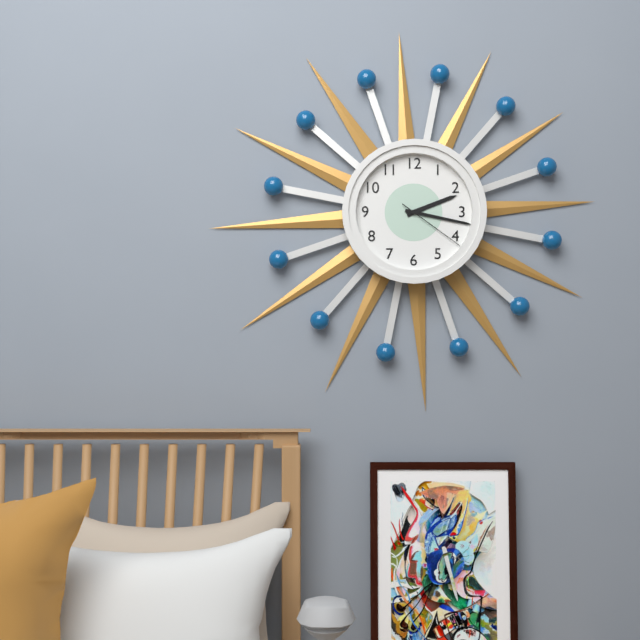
2:17:21
